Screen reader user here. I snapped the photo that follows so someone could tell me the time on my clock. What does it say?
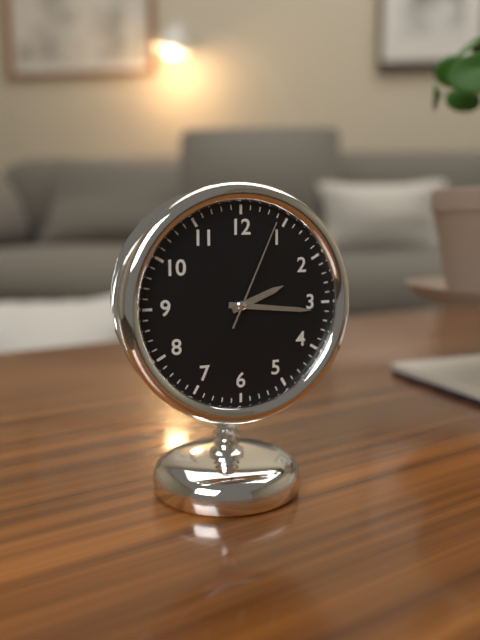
2:16:04
